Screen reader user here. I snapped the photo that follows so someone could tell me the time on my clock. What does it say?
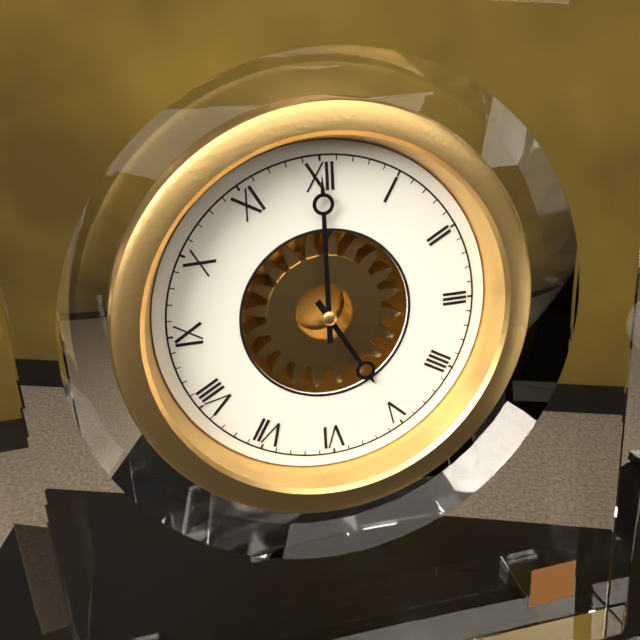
5:00
